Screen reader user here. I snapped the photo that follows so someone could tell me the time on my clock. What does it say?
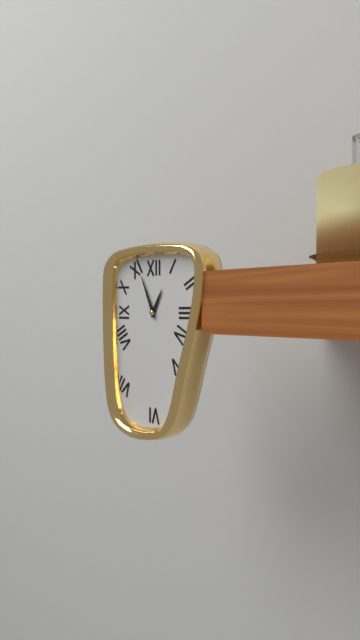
12:56
